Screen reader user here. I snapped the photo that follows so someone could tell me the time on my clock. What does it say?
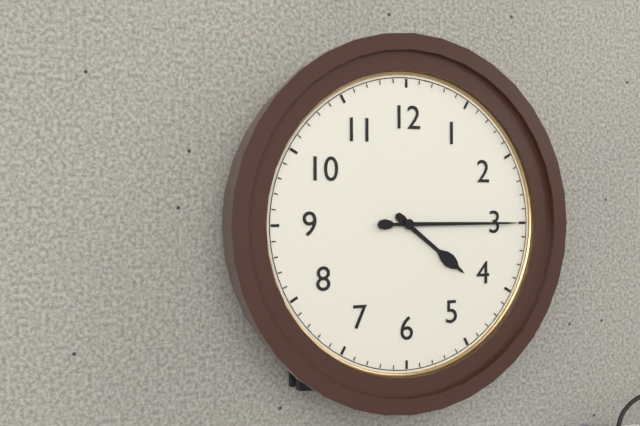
4:15
